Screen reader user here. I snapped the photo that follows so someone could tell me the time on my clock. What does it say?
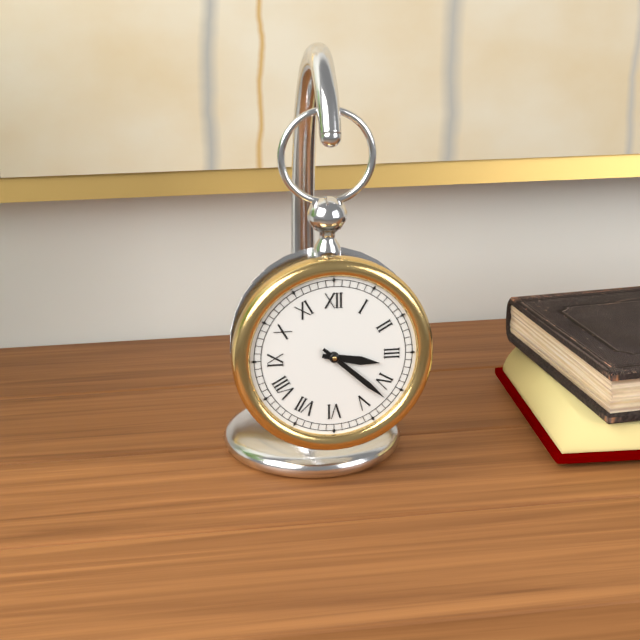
3:22
